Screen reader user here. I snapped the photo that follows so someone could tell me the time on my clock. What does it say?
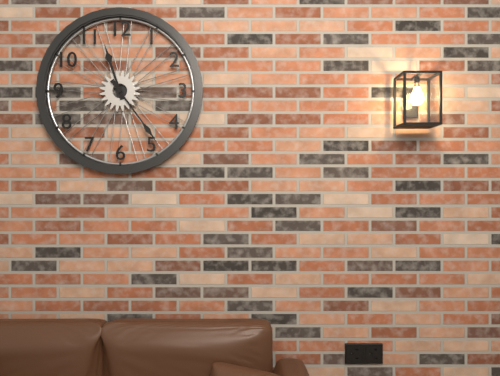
11:24
